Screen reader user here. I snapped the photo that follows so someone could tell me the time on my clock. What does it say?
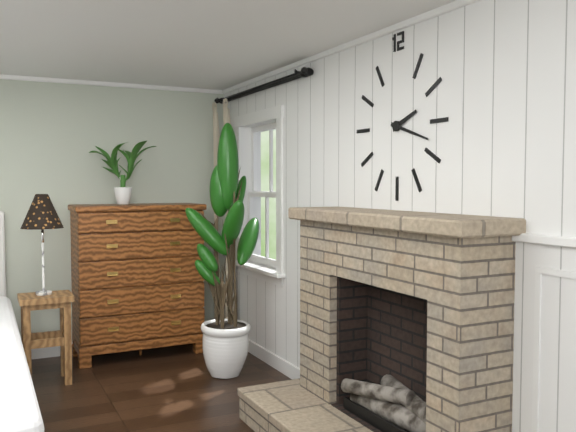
2:18
